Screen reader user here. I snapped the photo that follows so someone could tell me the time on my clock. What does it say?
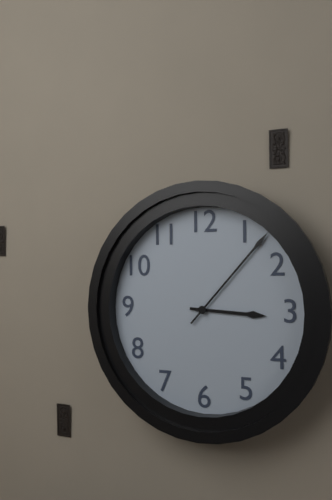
3:07
